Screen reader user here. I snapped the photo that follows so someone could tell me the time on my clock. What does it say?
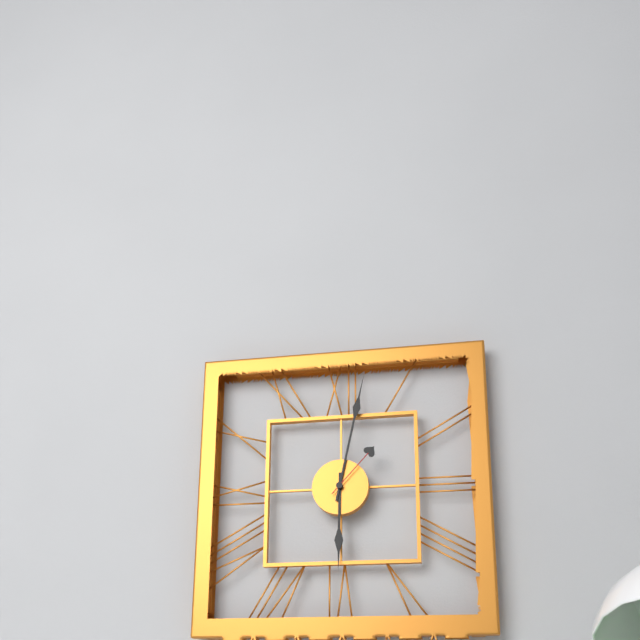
6:02:07
